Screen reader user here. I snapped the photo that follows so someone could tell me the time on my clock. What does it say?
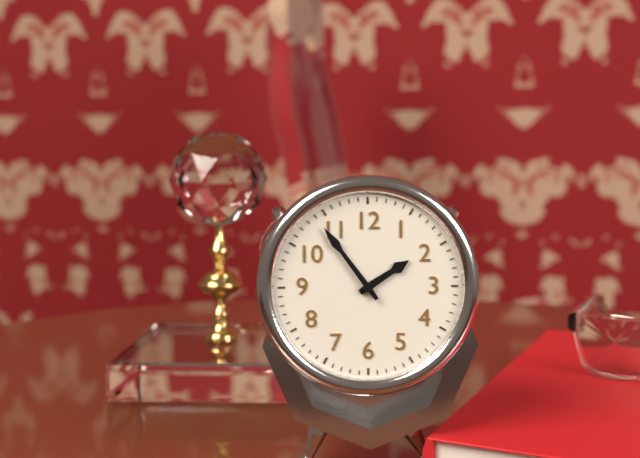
1:54
